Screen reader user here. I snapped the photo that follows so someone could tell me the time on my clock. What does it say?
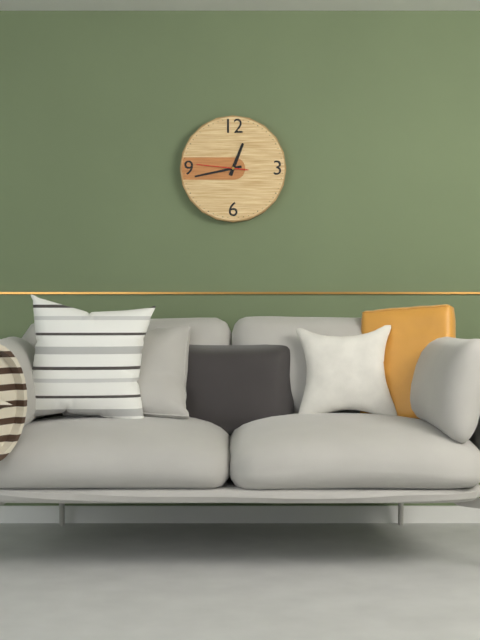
12:43
